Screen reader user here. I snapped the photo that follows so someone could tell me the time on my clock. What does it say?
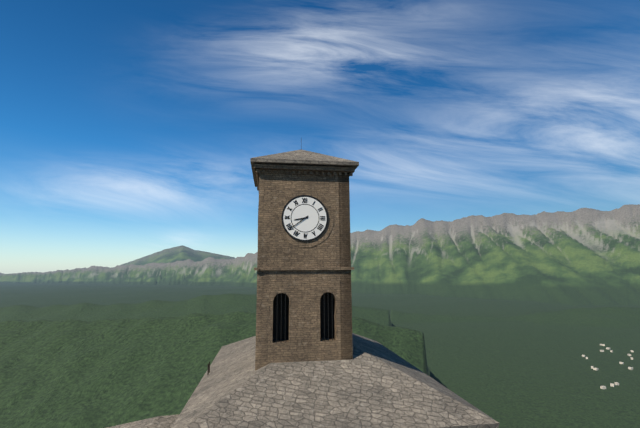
8:39
